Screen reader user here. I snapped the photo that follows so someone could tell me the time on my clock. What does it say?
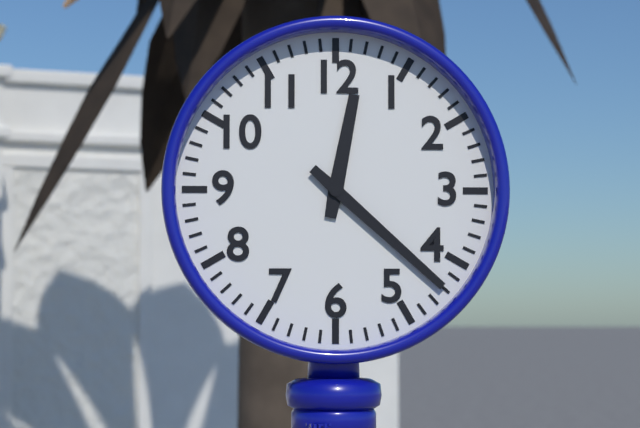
12:22
